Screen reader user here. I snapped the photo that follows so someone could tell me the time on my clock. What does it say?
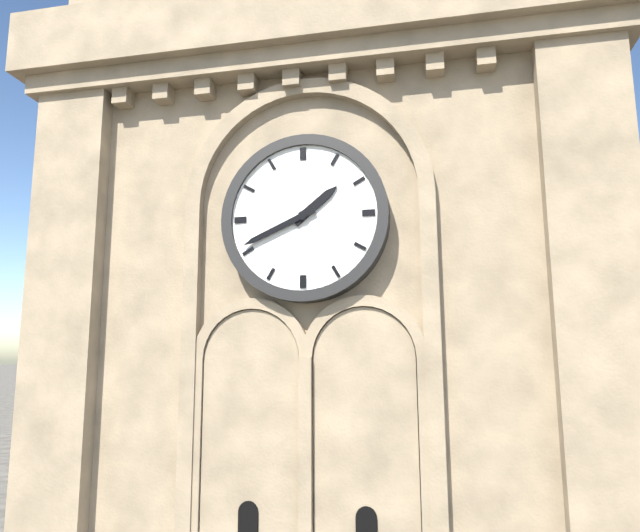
1:41
